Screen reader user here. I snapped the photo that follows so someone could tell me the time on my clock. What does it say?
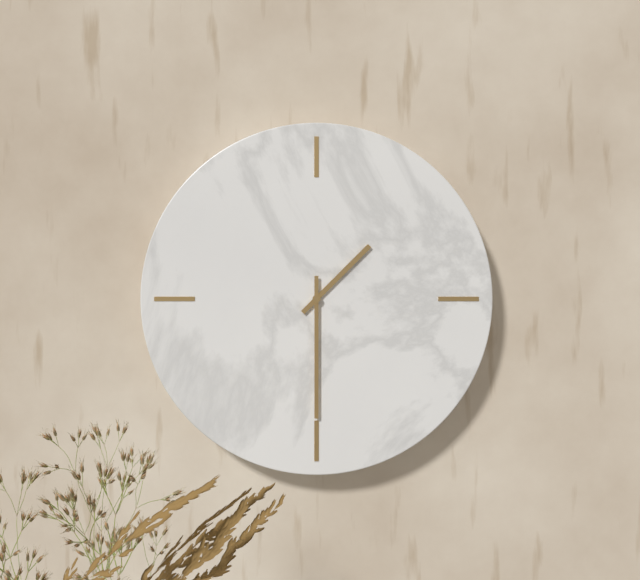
1:30
